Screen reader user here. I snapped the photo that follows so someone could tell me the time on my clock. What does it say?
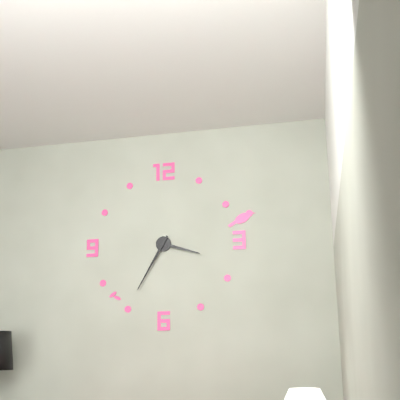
3:35
